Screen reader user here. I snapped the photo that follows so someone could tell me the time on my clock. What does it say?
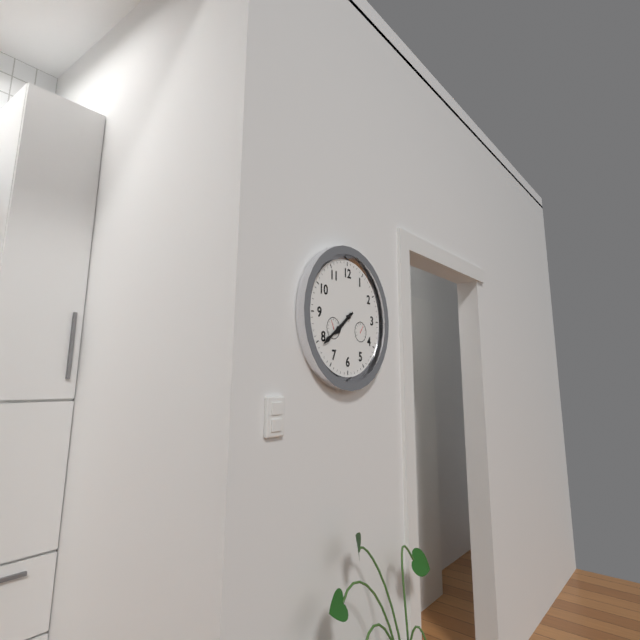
7:39
